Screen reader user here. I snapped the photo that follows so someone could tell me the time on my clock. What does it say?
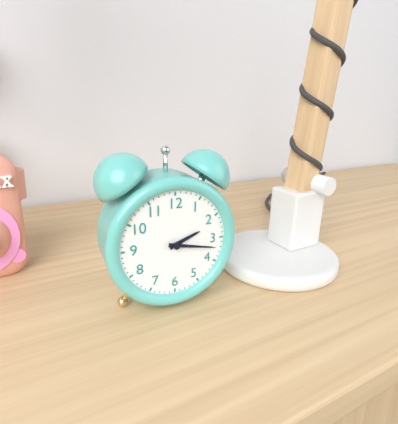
2:17
